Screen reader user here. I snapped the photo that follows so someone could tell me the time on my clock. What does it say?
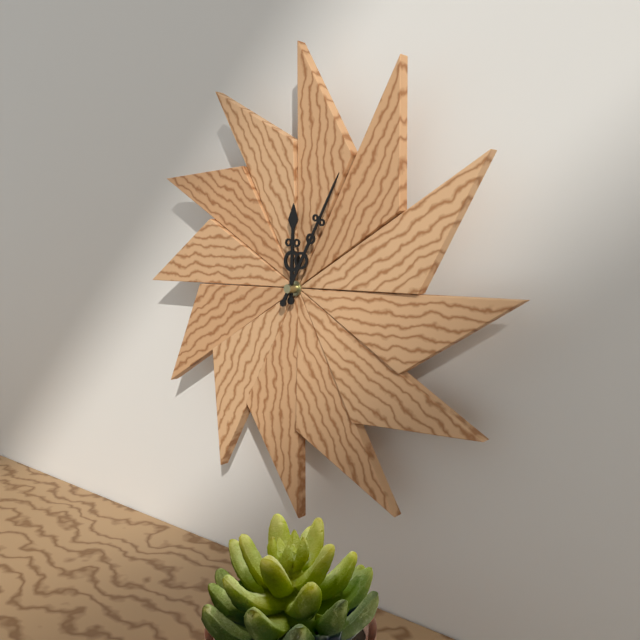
12:05
